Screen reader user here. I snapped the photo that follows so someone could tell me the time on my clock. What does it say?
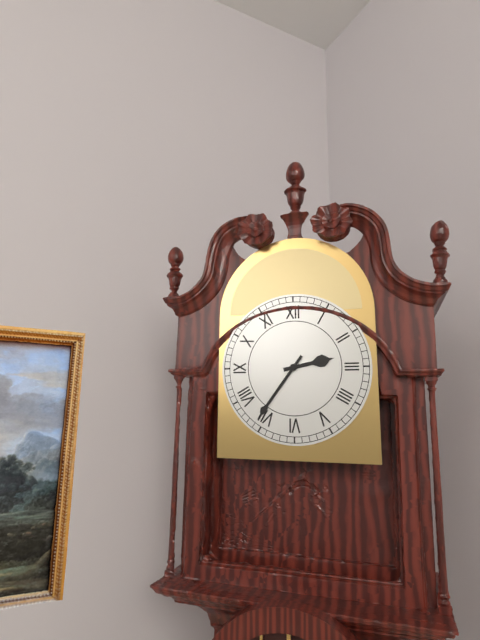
2:36
